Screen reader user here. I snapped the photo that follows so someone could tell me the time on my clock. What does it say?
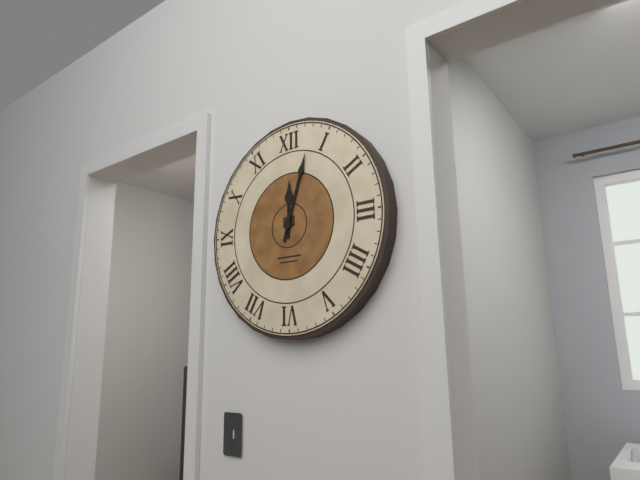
12:03
